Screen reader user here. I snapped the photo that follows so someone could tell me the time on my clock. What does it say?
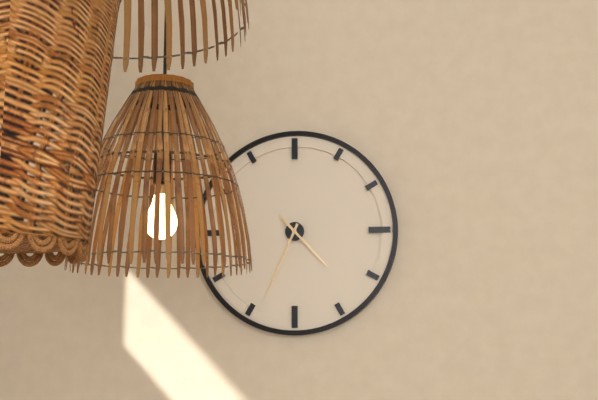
4:34
